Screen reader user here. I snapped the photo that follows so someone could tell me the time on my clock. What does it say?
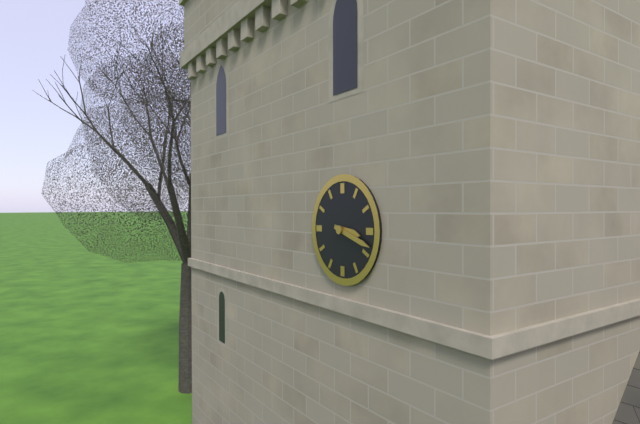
3:18
